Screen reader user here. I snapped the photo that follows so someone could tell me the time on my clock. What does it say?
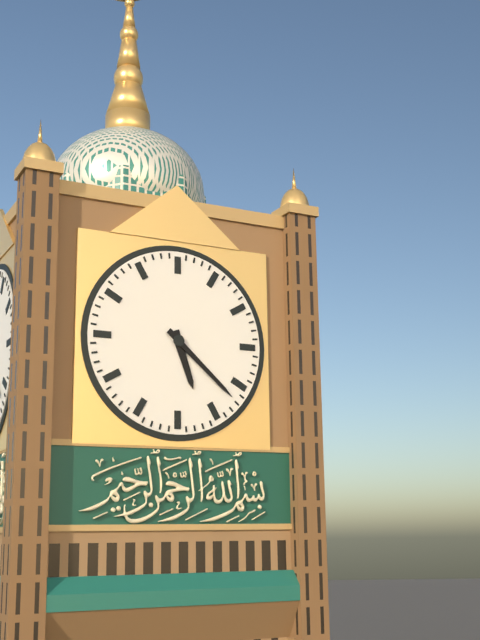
5:22
